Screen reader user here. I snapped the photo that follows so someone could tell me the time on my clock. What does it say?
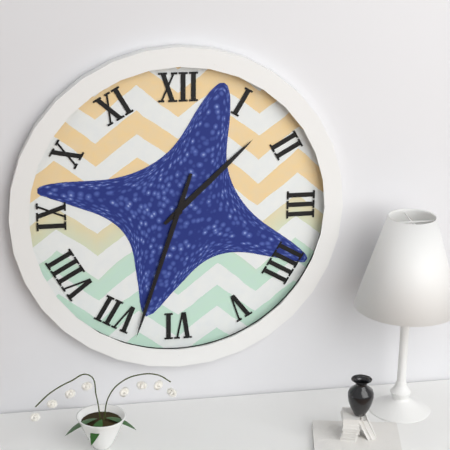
1:33
